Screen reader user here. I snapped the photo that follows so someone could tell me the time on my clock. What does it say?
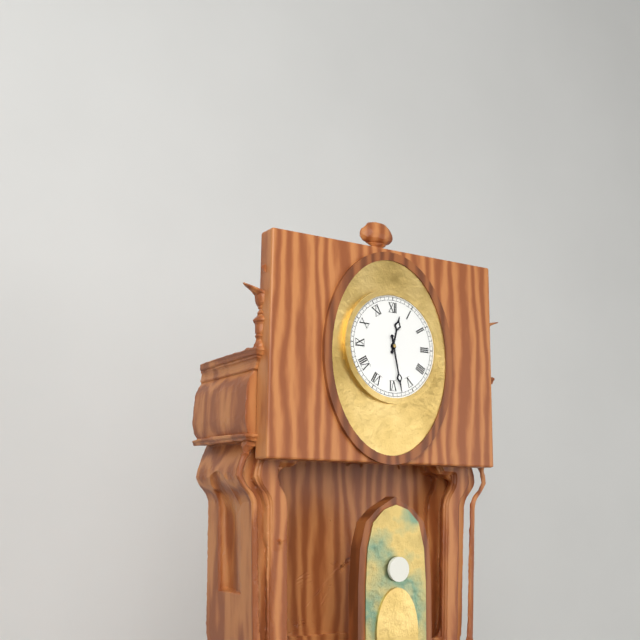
12:28
